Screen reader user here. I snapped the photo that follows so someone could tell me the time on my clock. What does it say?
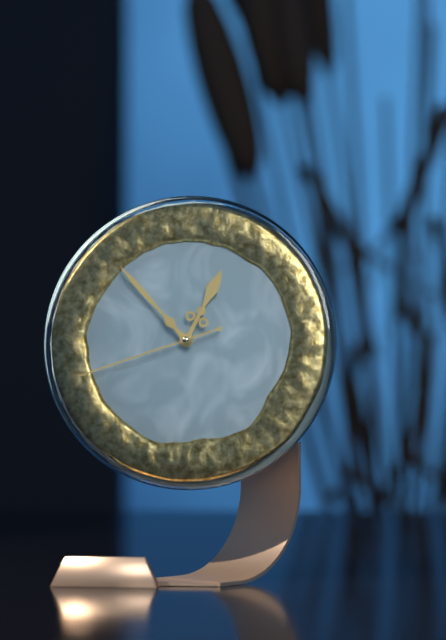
12:53:42
